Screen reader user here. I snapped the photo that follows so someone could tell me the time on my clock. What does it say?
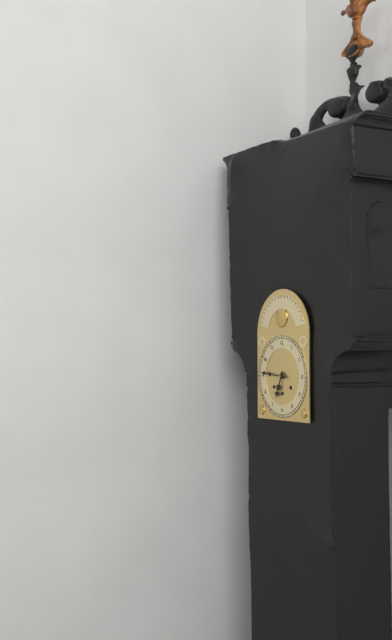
6:46
